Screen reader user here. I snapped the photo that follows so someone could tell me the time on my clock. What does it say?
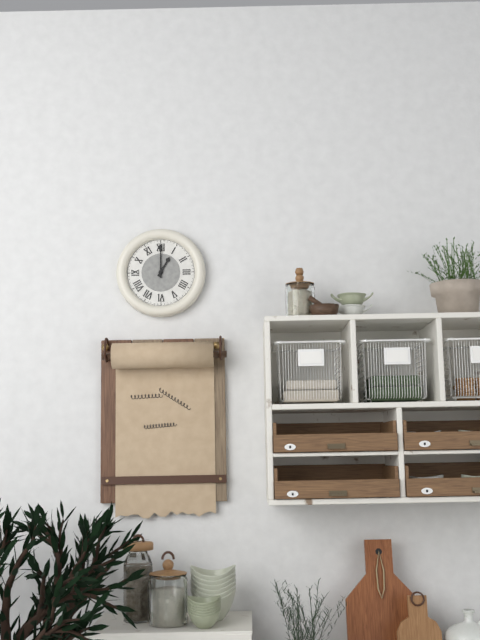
1:00
